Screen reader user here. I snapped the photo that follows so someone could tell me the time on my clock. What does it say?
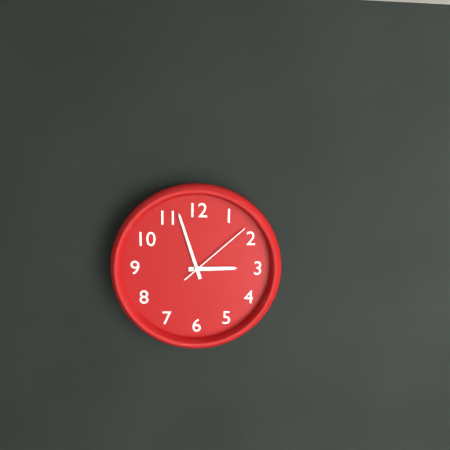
2:57:08
